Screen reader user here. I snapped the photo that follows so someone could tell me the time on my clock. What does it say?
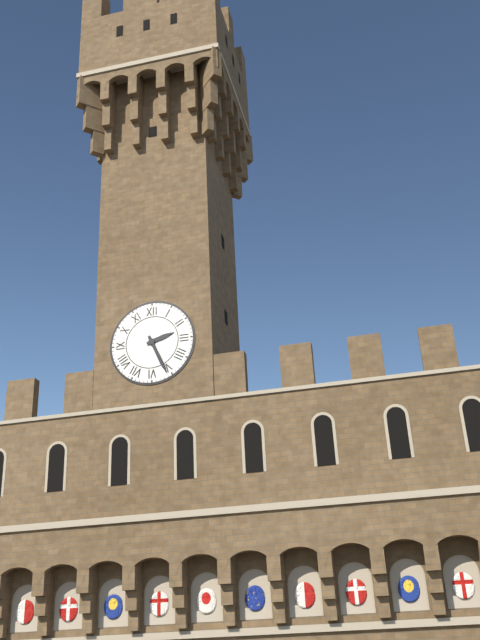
2:26
